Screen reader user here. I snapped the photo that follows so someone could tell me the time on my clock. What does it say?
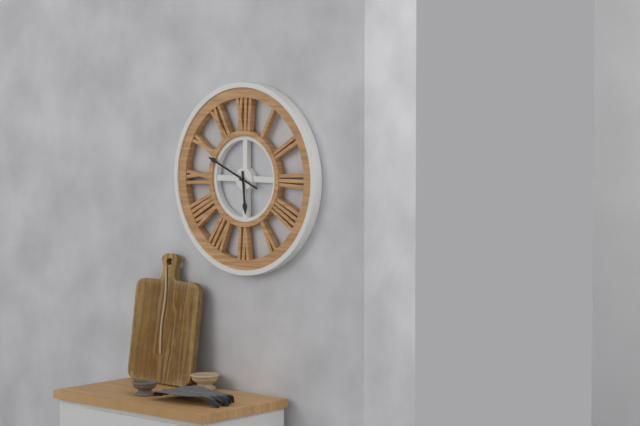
5:49
